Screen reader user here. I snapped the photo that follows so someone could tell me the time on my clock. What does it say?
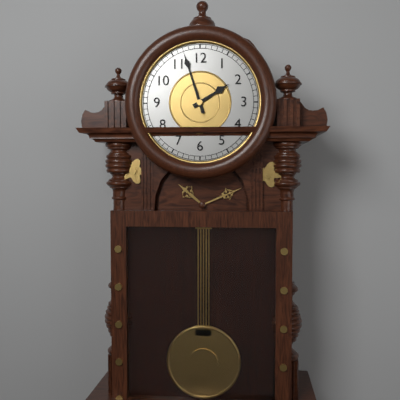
1:57
